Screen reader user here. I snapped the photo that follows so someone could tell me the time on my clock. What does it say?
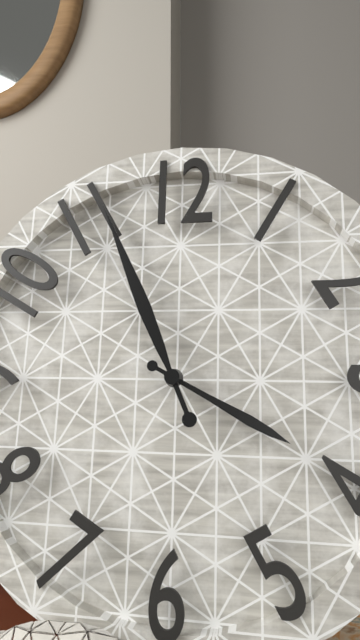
3:56
